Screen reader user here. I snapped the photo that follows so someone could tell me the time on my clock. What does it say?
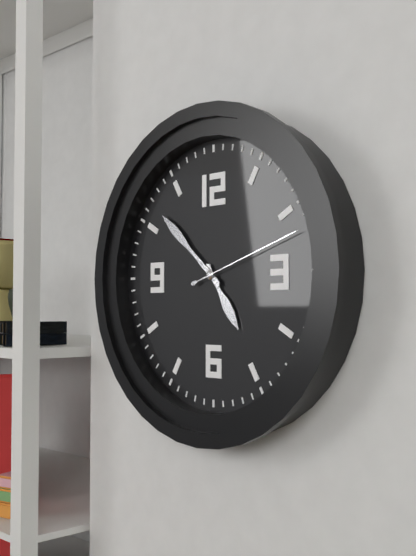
4:52:12
